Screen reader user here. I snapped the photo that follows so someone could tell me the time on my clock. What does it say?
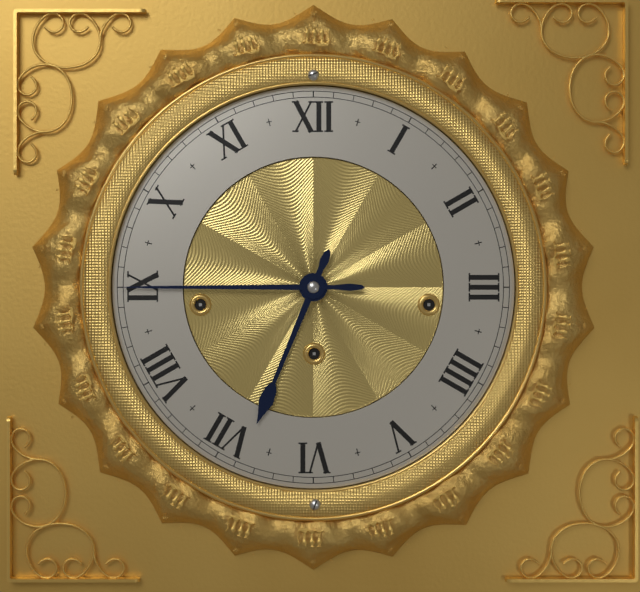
6:45
